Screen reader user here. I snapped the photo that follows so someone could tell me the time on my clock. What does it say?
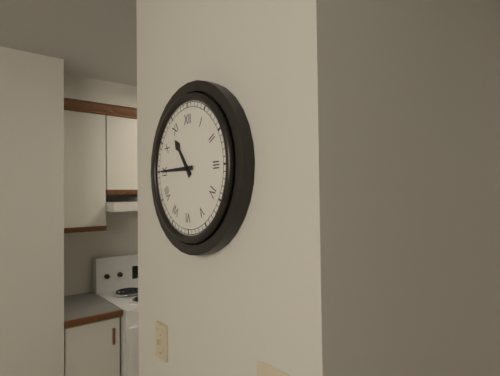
10:45
